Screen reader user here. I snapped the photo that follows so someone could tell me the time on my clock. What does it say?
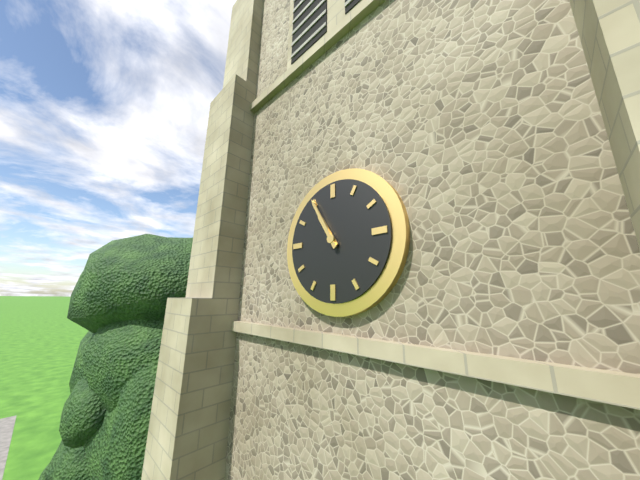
10:55
